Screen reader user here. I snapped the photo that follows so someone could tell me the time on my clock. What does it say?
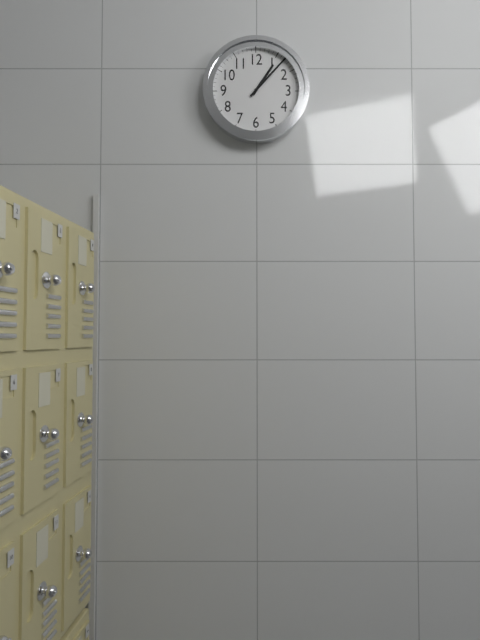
1:07
